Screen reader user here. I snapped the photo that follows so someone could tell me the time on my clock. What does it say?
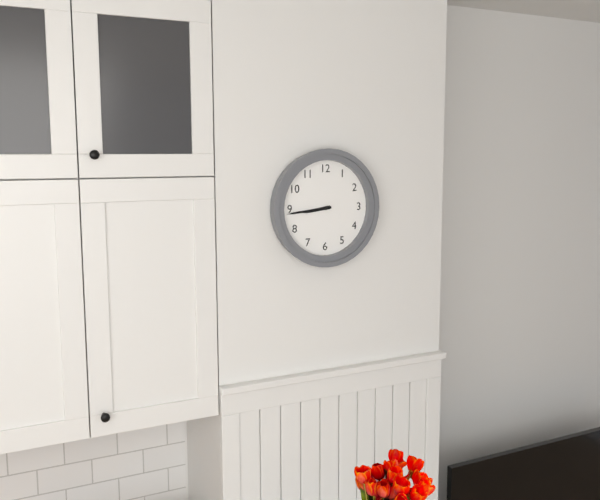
8:44
